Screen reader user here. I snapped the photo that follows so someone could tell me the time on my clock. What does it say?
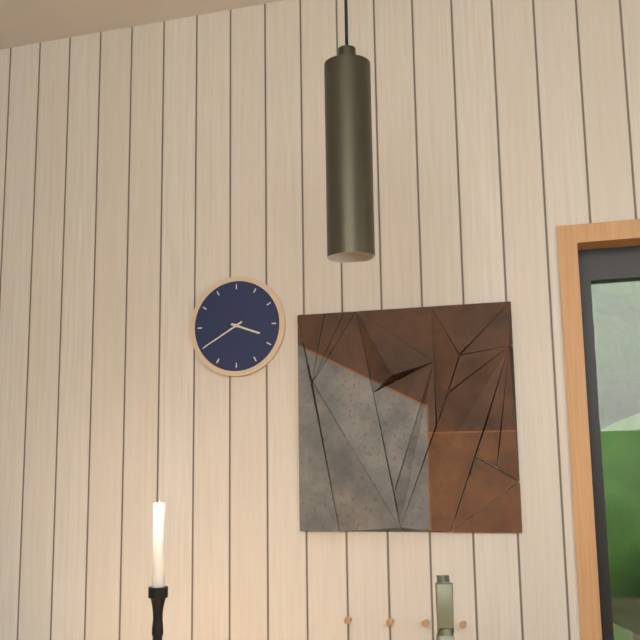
3:40
